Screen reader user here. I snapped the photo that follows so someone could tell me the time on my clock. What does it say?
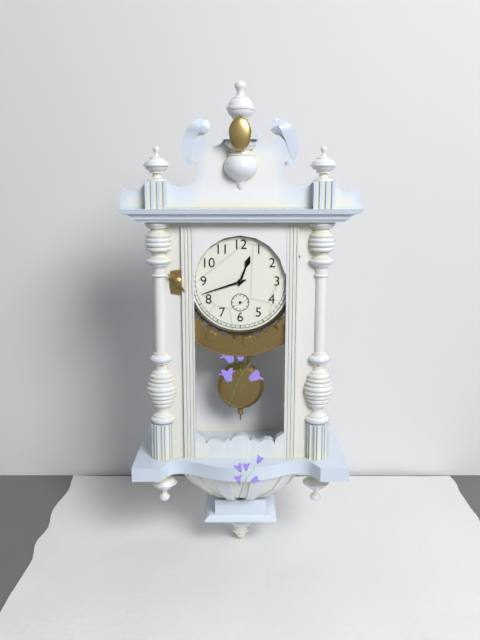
12:42
